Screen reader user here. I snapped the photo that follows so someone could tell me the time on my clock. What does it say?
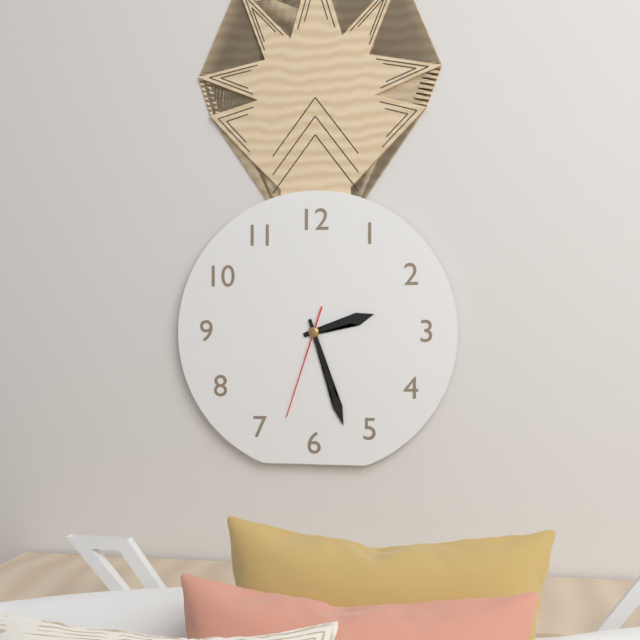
2:27:33
